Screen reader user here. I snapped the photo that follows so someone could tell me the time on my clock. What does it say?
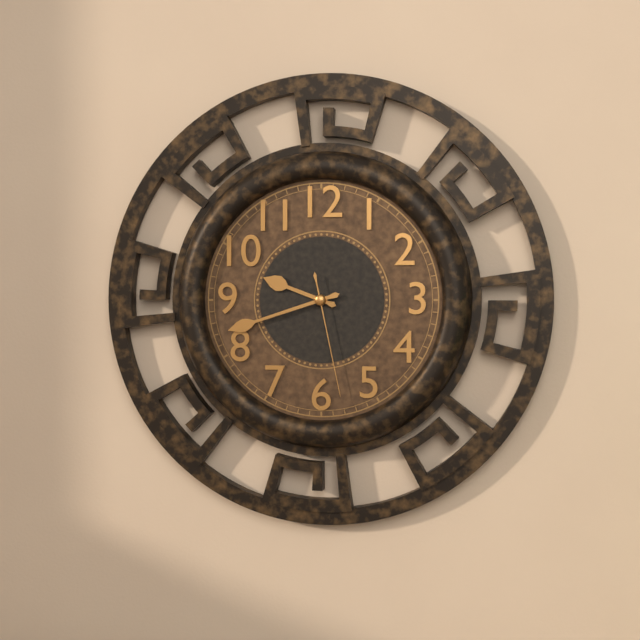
9:42:28
